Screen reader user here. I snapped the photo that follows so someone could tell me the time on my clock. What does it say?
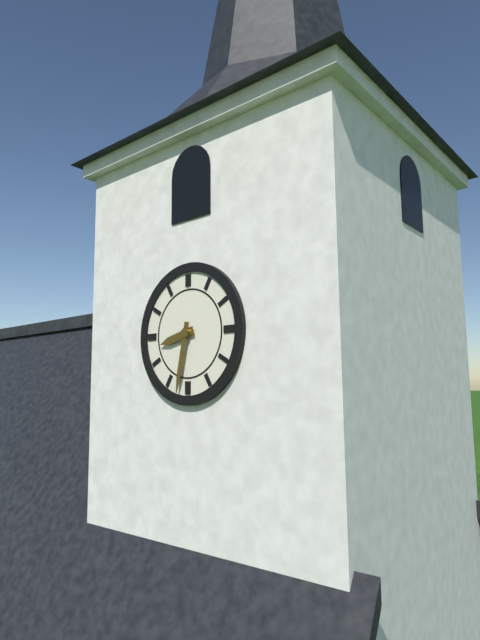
8:32
